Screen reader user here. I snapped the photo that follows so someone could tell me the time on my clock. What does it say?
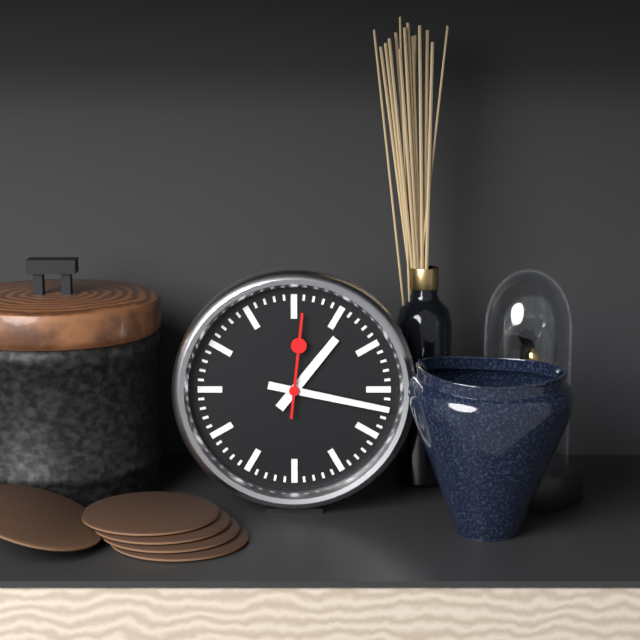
1:17:01
